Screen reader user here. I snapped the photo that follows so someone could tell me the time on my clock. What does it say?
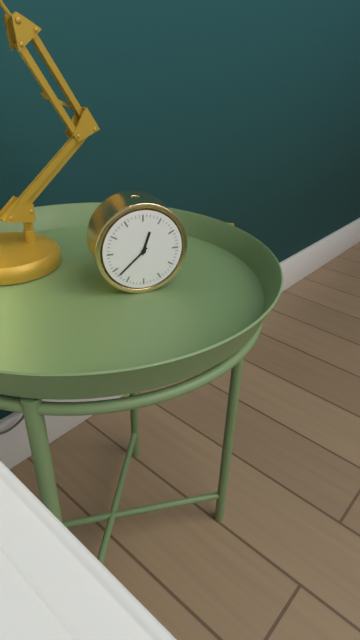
12:38
